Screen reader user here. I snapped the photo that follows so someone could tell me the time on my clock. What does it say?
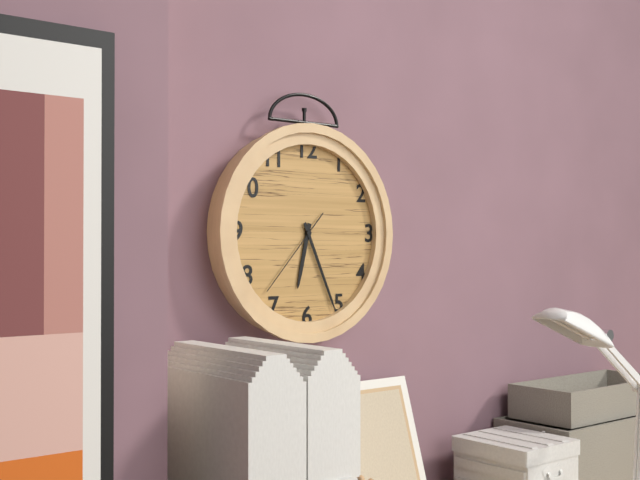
6:26:37
